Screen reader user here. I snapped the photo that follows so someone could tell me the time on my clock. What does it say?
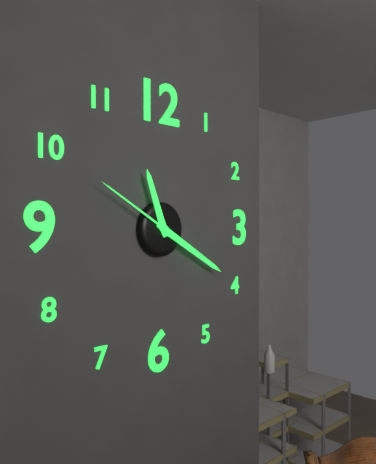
11:20:50
